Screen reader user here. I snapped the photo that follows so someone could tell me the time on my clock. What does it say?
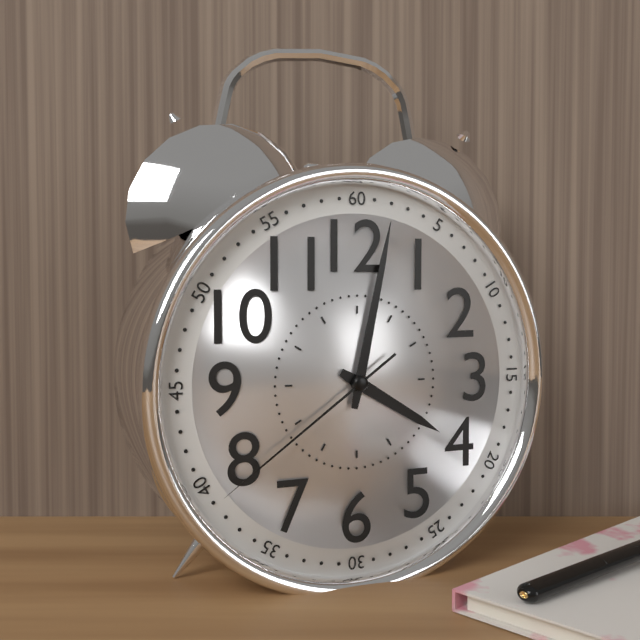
4:02:39
